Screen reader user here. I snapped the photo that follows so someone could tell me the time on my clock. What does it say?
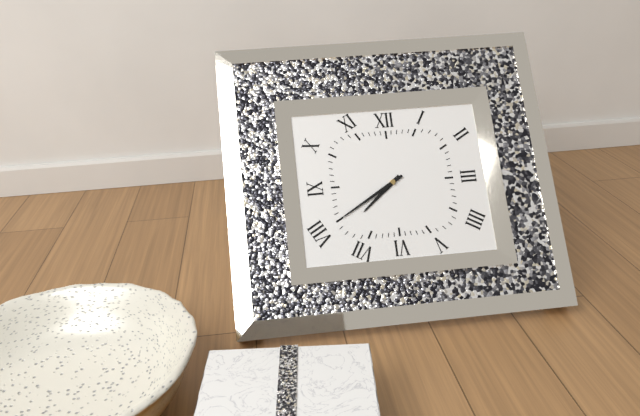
7:40
